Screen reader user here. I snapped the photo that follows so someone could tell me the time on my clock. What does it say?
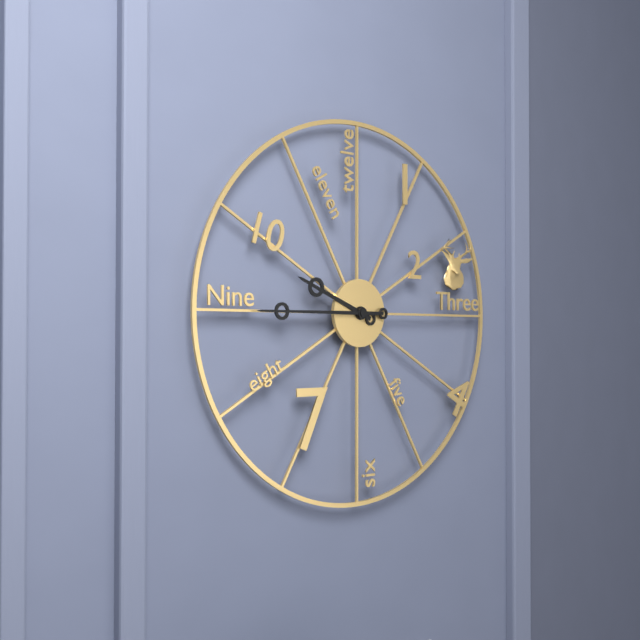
9:45
